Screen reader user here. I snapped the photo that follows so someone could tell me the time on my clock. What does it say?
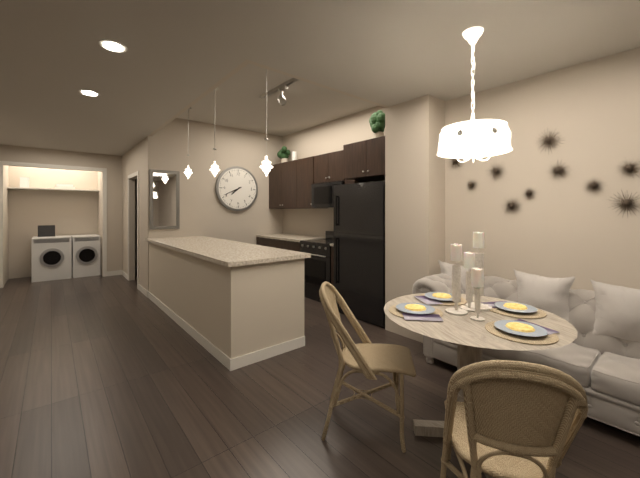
7:41
